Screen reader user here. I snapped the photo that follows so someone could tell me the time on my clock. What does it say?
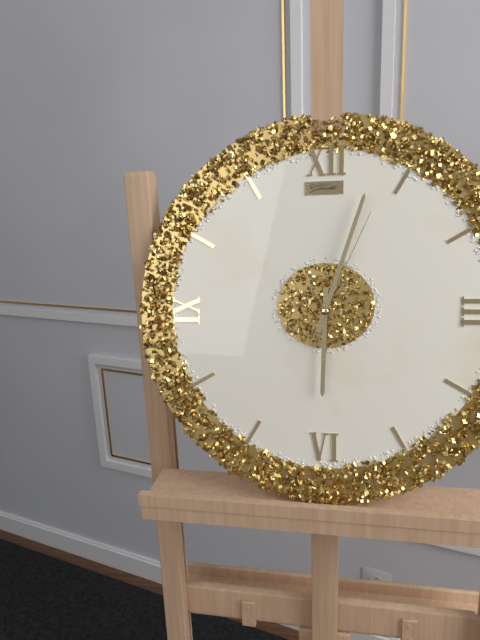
6:03:04
